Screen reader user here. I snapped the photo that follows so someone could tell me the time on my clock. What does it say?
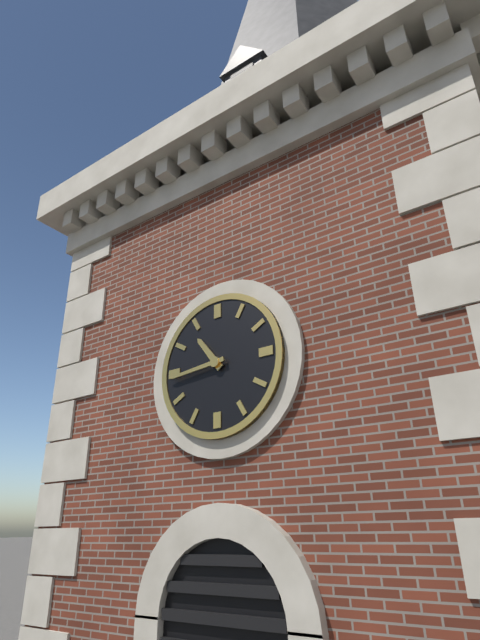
10:44
